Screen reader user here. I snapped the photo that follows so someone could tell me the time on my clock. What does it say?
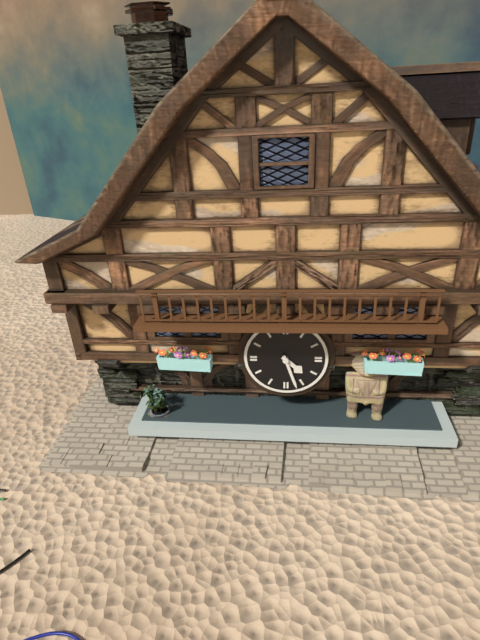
4:27
